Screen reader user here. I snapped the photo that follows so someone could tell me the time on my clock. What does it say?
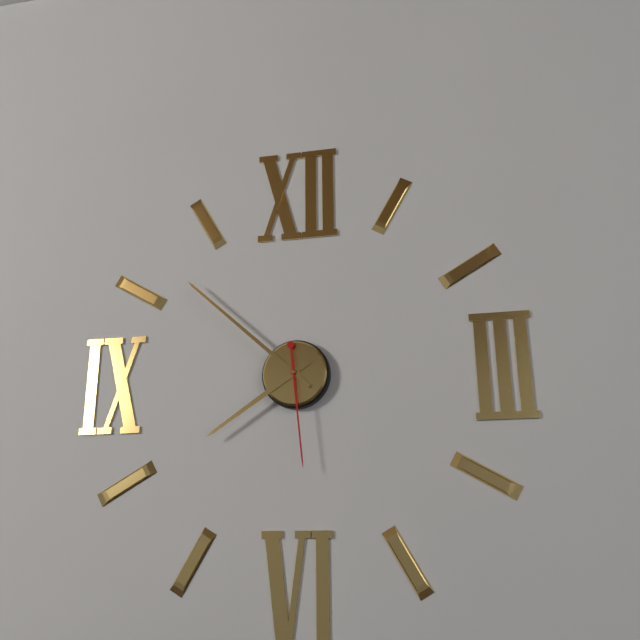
7:52:29
